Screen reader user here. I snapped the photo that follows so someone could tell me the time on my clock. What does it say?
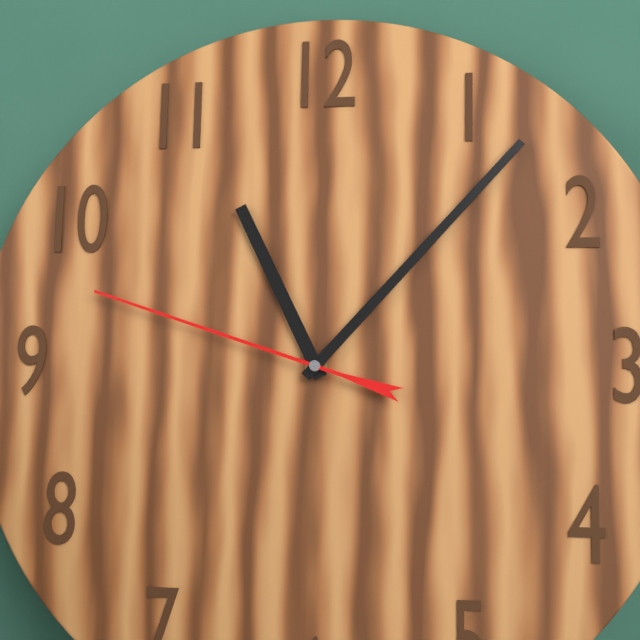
11:07:48
